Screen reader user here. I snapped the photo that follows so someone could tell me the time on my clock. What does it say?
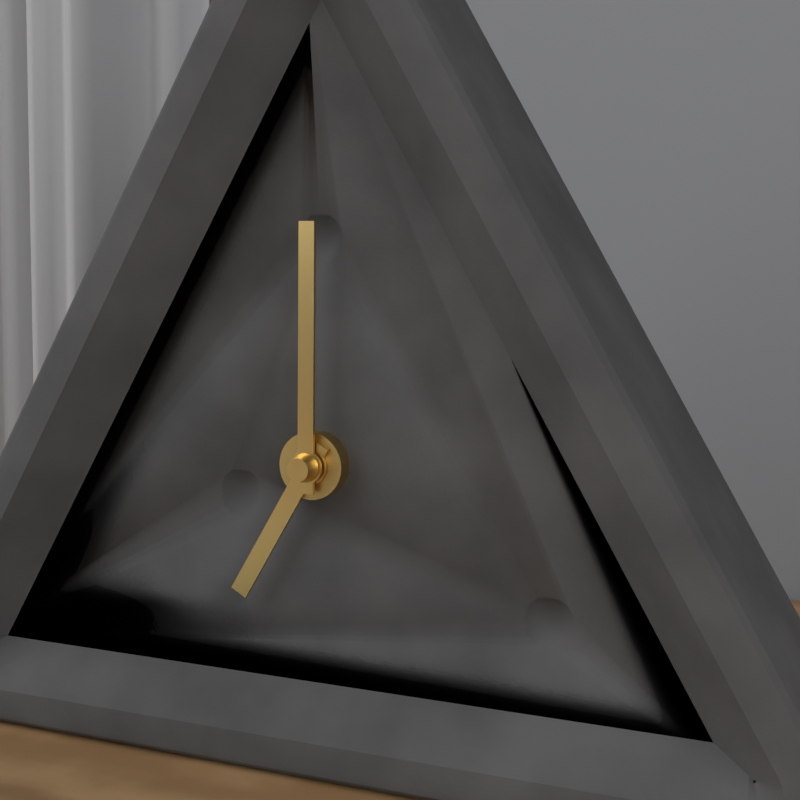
7:00
